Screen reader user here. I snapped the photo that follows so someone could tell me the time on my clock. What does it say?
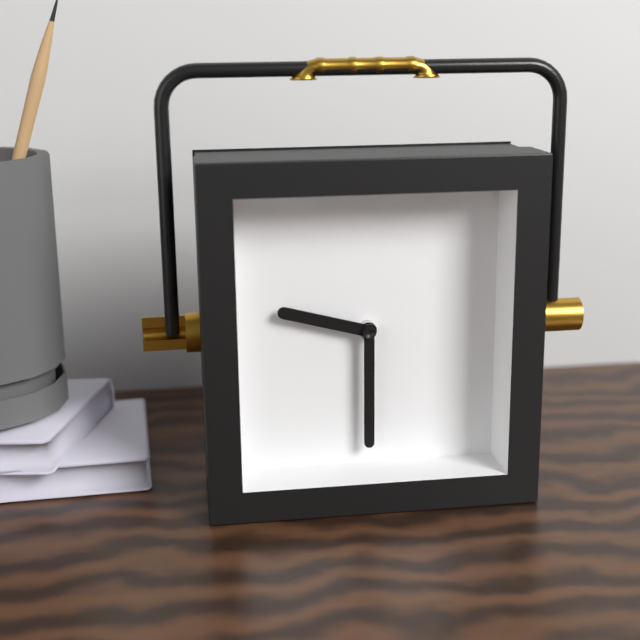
9:30
